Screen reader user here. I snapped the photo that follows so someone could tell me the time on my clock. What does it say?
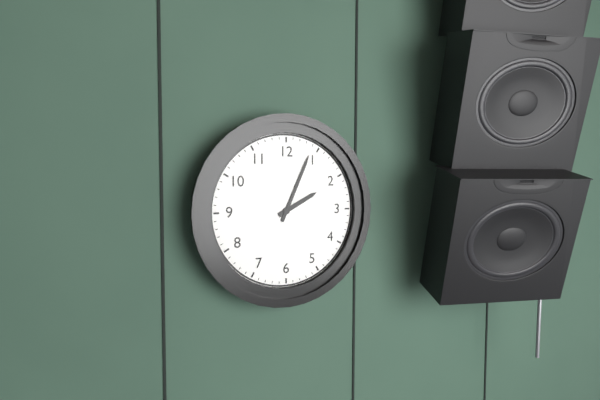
2:04
